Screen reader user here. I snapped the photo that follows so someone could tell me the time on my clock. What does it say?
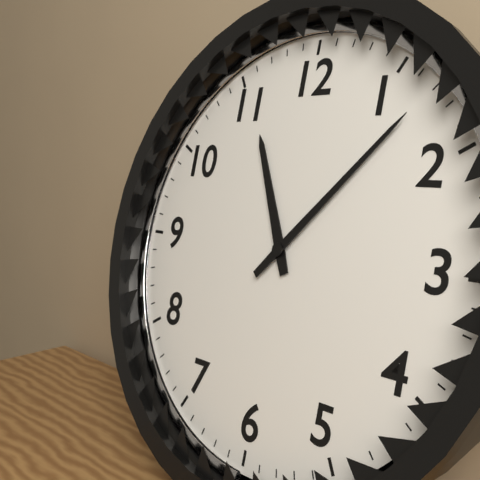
11:07
